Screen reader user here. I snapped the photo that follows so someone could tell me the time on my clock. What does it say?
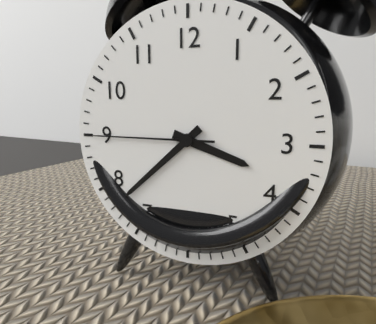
3:38:45
